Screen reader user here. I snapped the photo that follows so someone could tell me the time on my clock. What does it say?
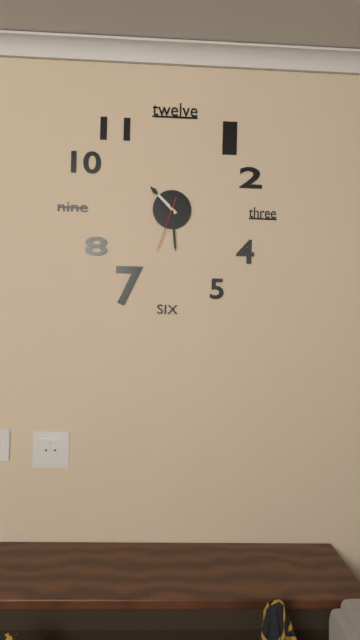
10:29:33
